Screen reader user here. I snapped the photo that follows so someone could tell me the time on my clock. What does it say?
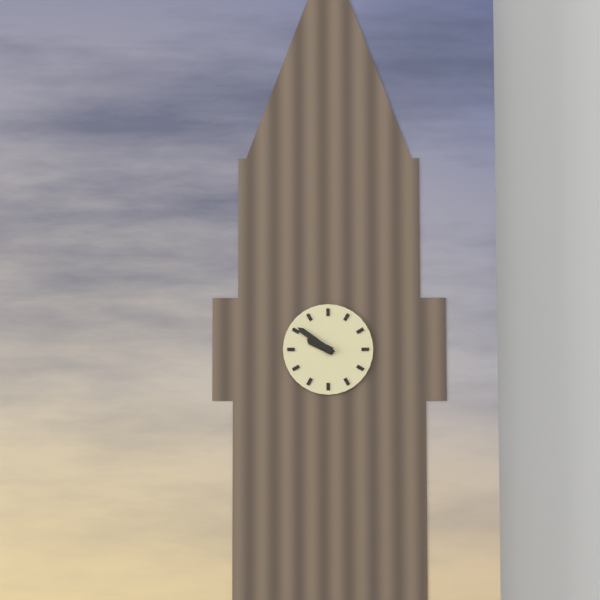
9:51
